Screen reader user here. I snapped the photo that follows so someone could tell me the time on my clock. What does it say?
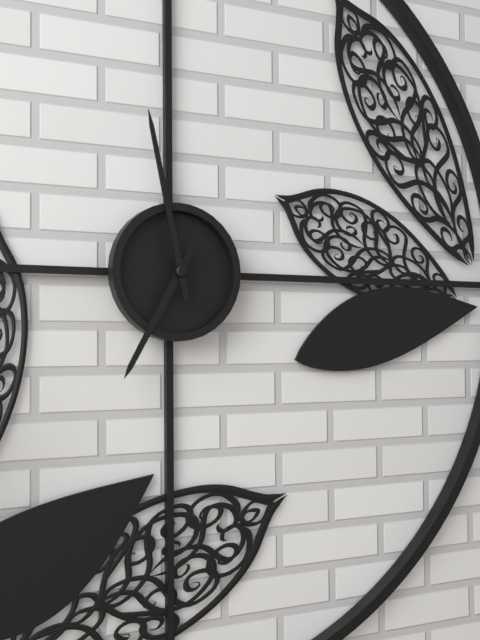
6:58
